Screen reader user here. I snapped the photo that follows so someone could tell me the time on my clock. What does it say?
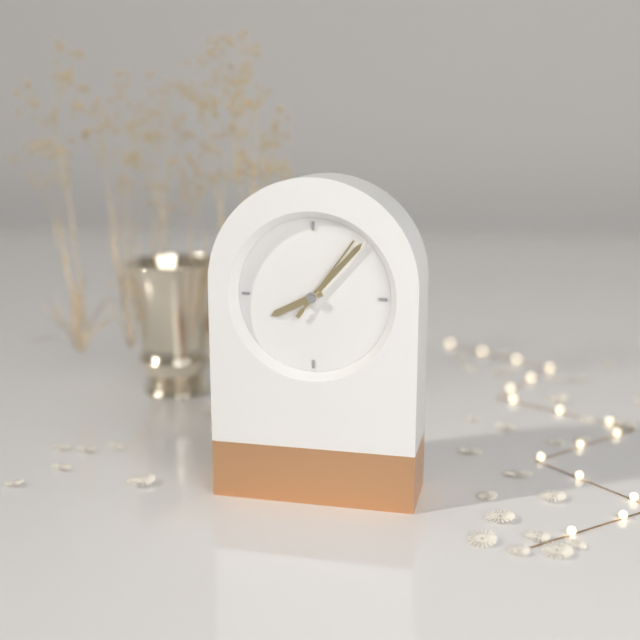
8:07:06
